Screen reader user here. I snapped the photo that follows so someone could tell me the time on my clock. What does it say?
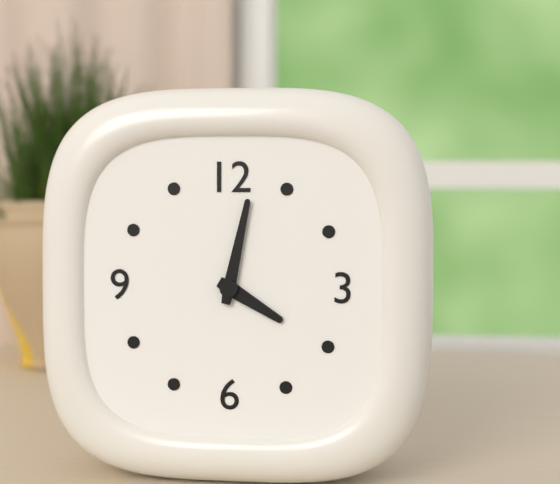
4:02
